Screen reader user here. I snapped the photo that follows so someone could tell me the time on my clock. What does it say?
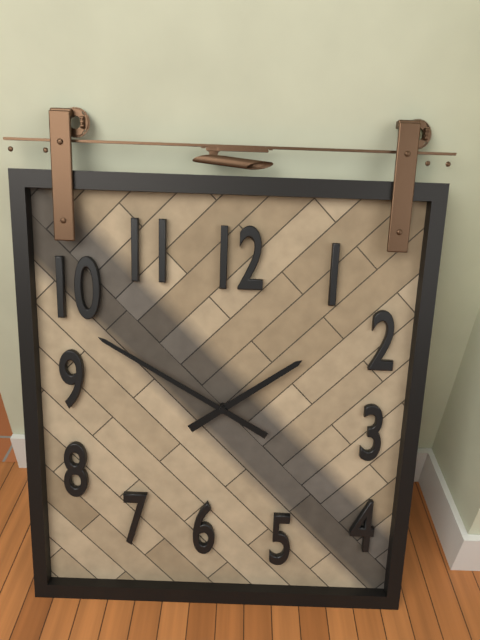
1:50
